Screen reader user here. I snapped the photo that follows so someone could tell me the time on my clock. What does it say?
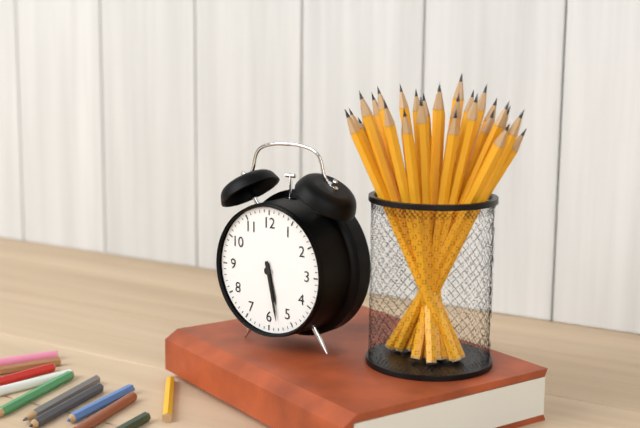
5:28
